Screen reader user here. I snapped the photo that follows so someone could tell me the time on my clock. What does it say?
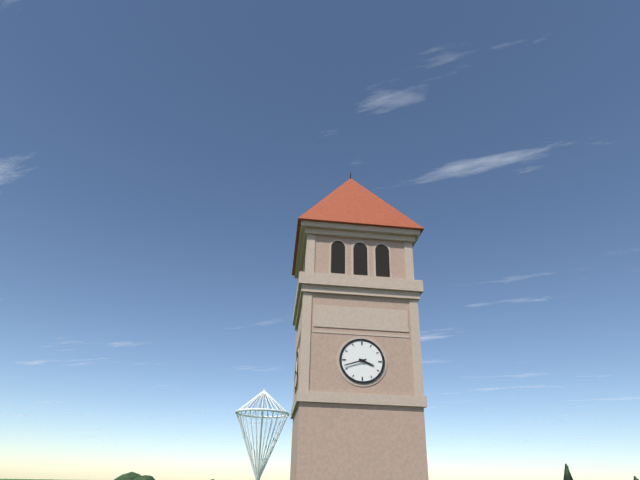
3:42
